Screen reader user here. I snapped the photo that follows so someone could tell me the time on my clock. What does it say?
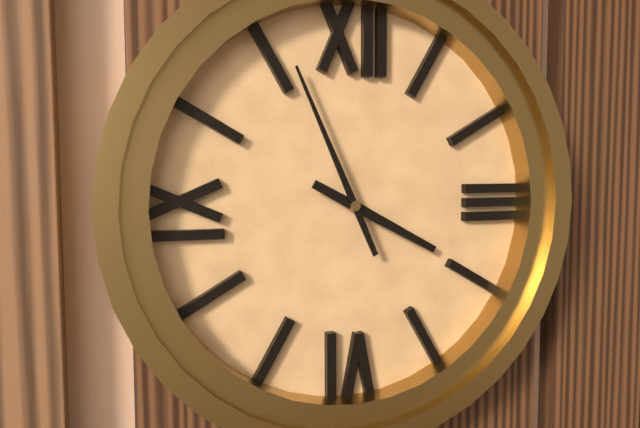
3:56
